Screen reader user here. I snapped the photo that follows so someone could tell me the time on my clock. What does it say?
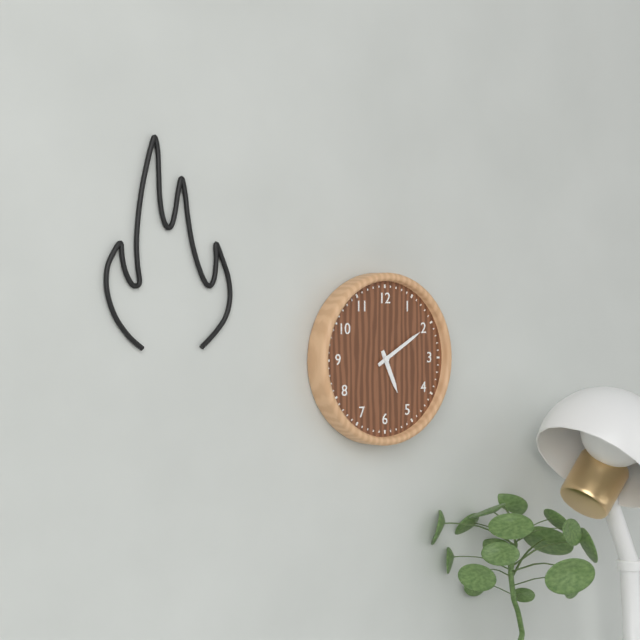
5:10
